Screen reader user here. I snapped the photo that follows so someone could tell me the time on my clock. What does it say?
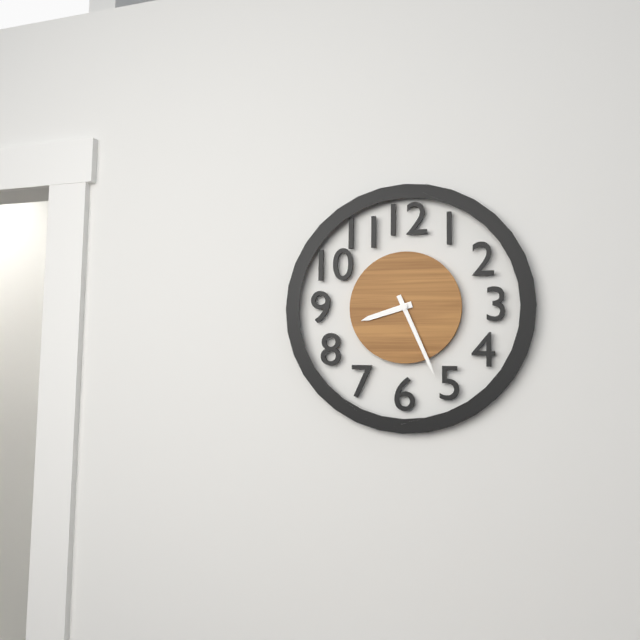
8:26
